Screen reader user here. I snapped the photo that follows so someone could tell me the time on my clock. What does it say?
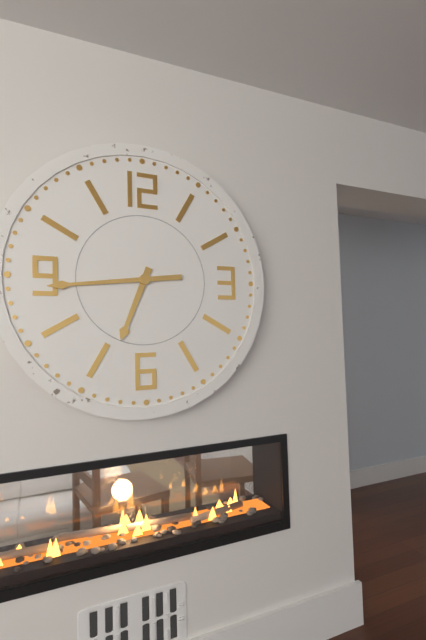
6:44
